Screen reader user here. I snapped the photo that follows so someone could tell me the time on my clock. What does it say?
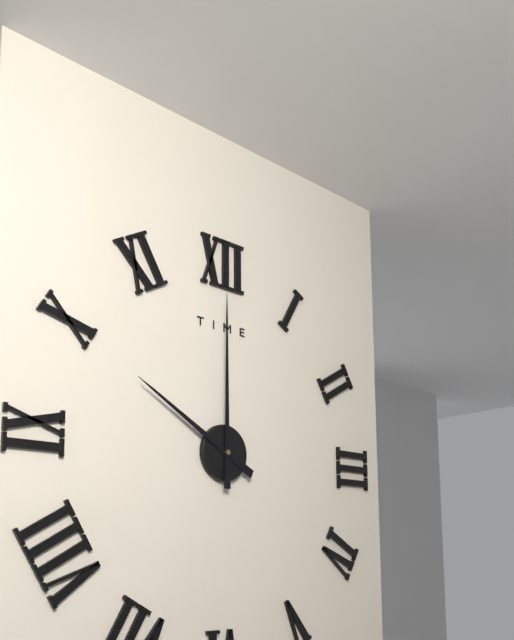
10:00
